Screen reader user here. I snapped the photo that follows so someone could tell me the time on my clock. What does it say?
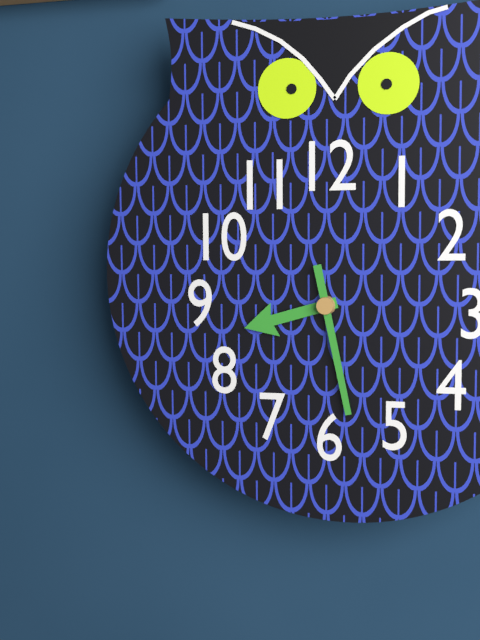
8:28
